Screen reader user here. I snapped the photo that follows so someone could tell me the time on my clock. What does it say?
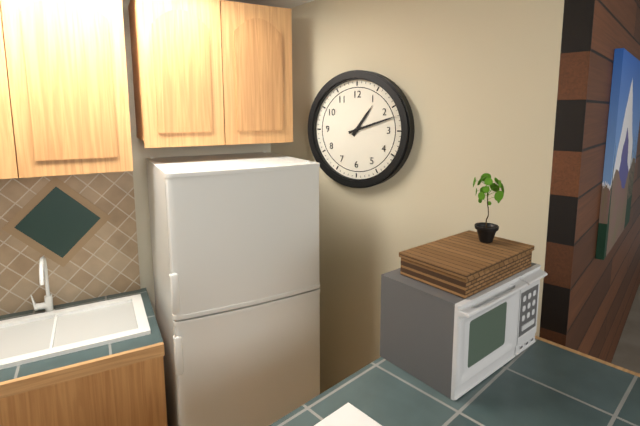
1:12
